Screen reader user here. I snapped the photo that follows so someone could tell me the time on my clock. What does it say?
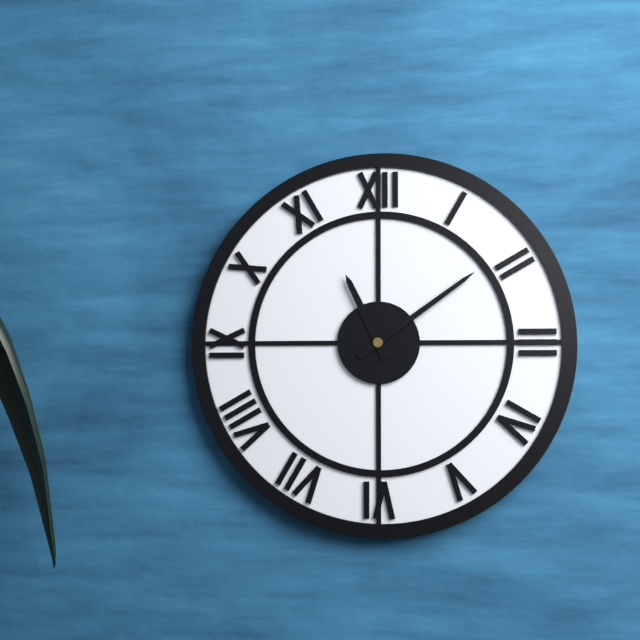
11:09
